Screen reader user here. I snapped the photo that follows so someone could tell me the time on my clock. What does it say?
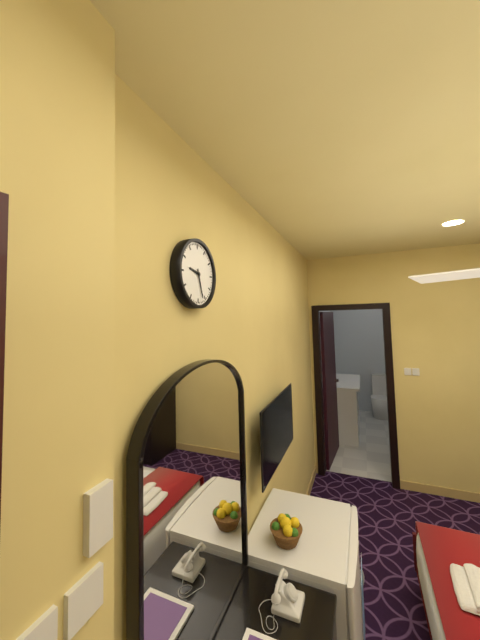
9:27
